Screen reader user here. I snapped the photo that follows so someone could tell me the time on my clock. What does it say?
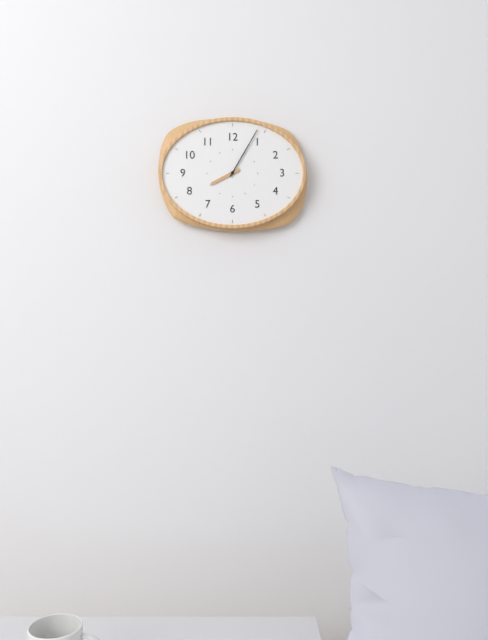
8:05
